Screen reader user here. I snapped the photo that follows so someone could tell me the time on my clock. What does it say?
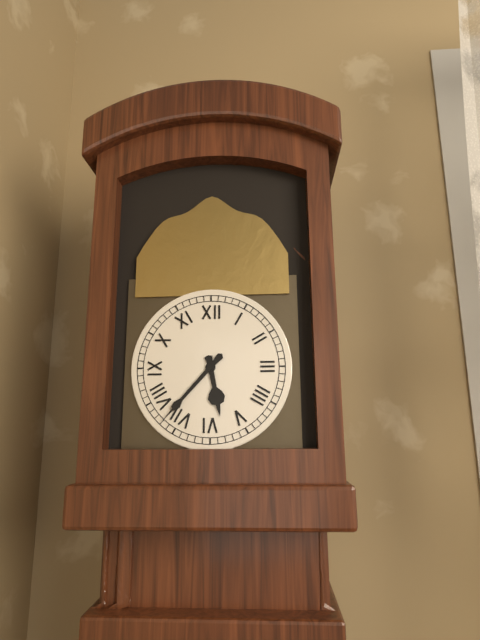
5:37
